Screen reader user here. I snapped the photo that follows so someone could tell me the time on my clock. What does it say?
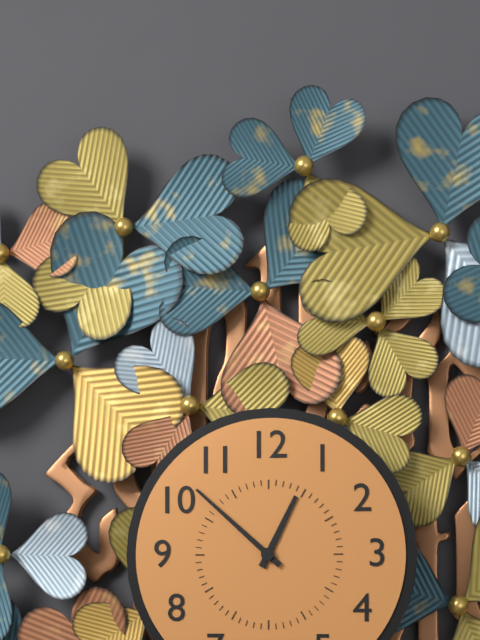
12:52
